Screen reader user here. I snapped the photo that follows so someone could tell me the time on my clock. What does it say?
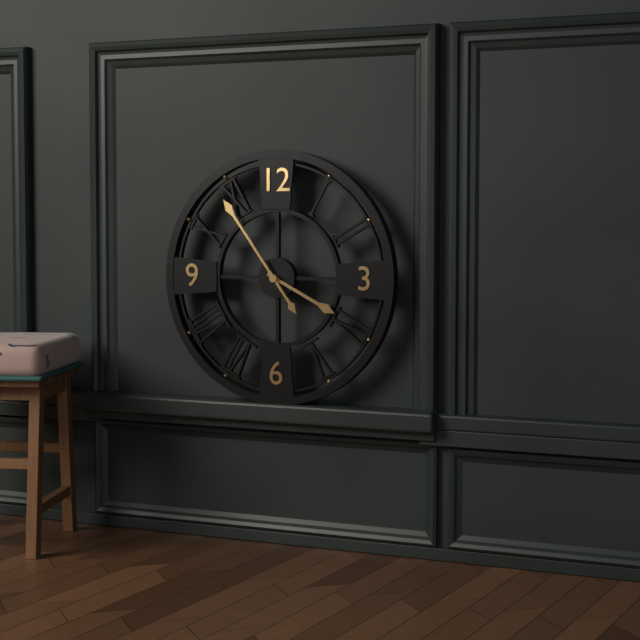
3:54
